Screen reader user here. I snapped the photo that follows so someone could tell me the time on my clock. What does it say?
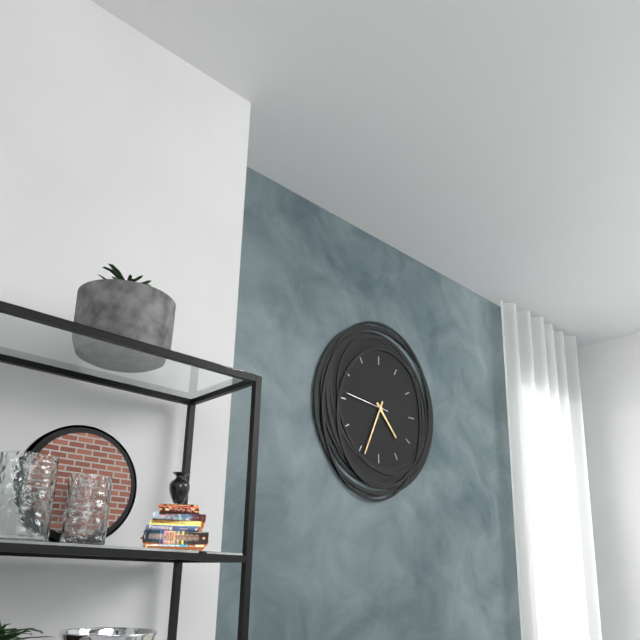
4:34
